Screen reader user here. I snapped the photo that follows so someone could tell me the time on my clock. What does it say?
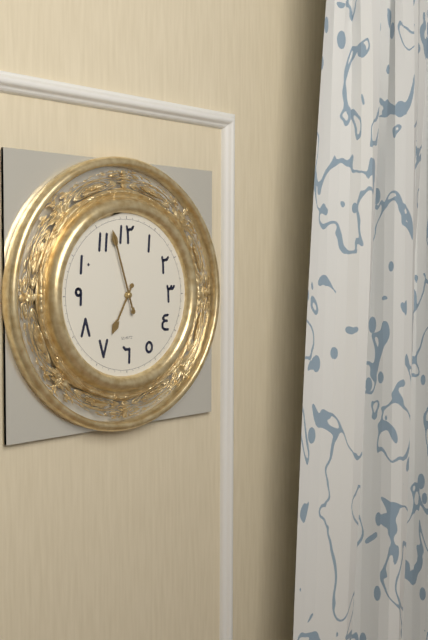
6:57:57
